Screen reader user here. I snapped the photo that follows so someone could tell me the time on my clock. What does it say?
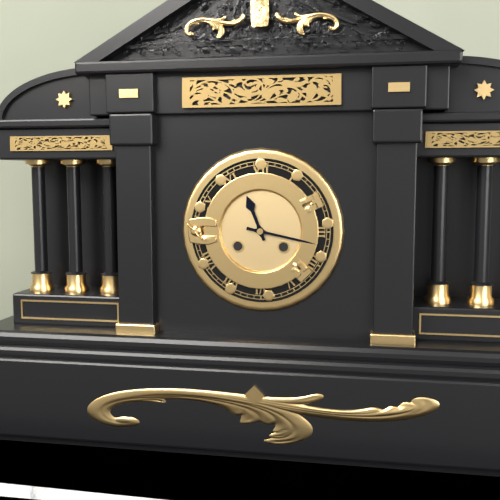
11:17
